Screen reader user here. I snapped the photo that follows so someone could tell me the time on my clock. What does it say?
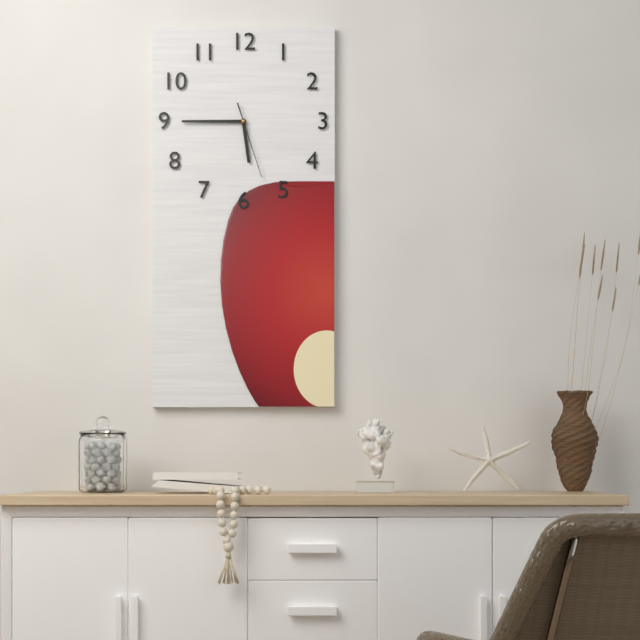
5:45:27
